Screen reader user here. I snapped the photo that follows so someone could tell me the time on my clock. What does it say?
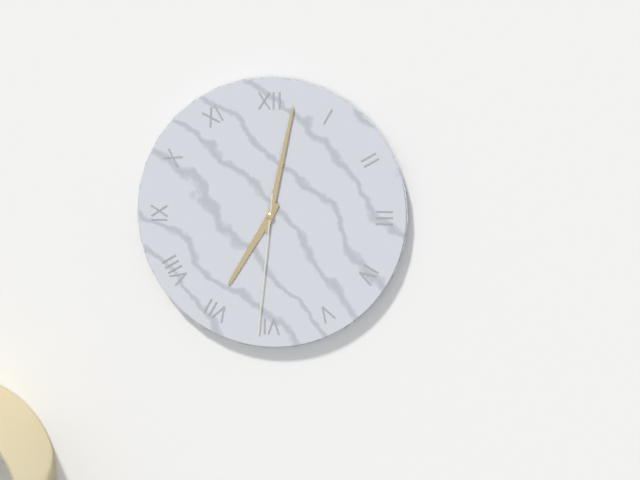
7:02:31
